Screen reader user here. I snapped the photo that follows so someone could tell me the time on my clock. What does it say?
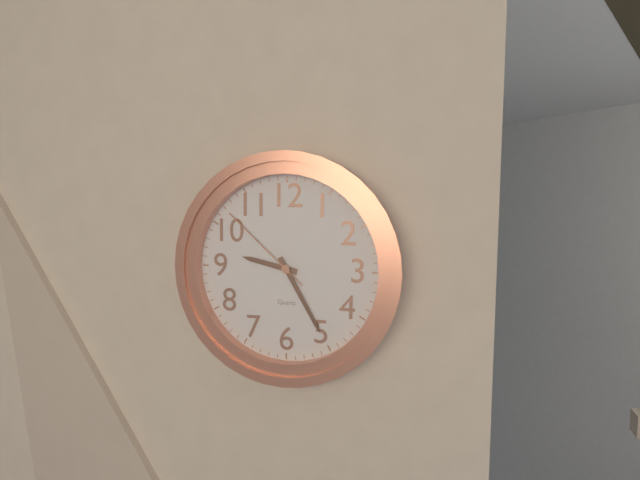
9:25:52
